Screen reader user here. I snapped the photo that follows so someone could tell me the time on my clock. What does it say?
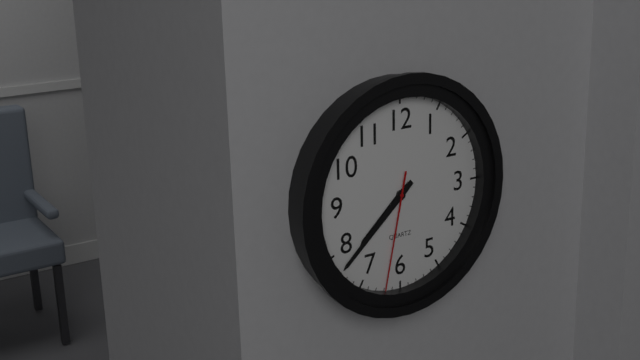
7:38:32
